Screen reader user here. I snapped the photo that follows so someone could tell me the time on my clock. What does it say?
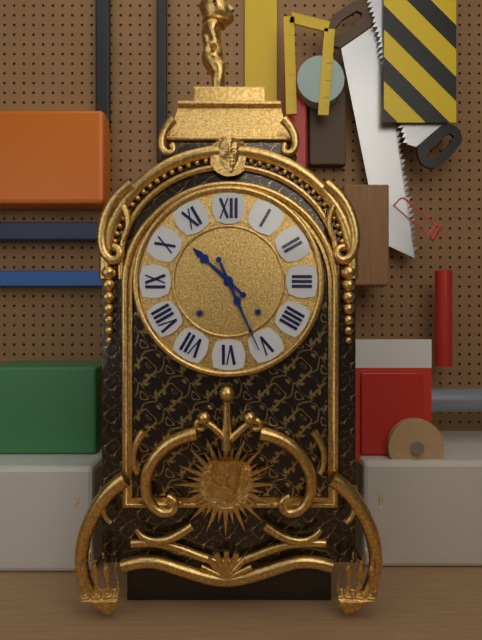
10:26
